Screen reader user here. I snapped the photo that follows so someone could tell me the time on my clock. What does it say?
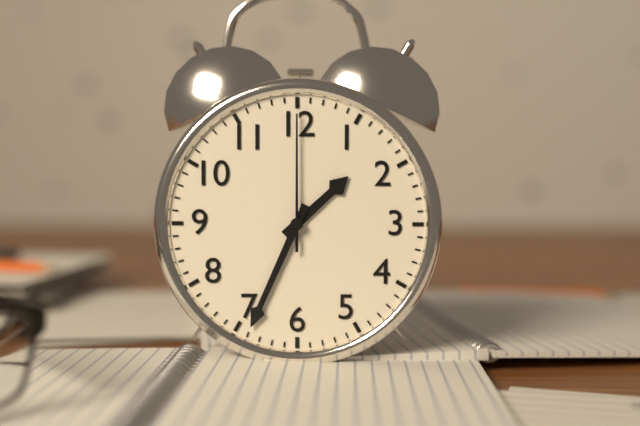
1:34:00
